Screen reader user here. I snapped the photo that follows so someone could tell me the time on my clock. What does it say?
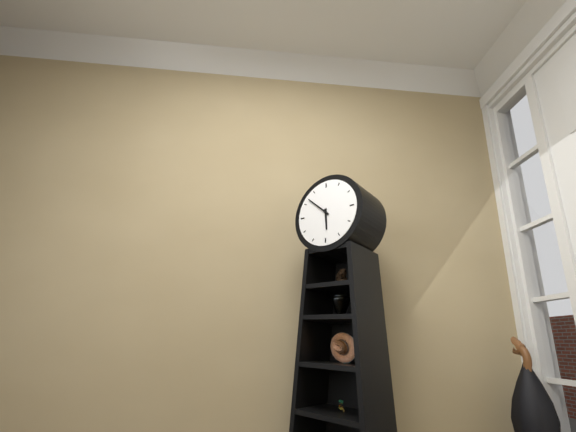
5:52
